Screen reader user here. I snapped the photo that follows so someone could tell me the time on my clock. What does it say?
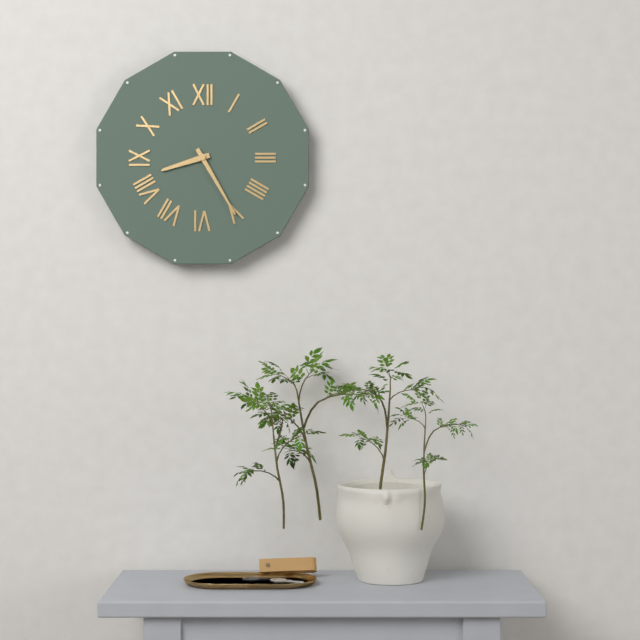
8:25
